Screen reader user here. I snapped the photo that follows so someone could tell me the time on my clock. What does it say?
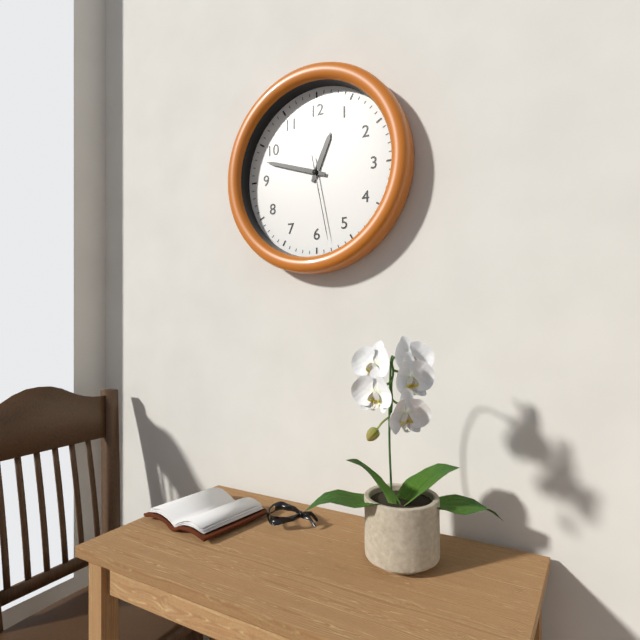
12:48:28
